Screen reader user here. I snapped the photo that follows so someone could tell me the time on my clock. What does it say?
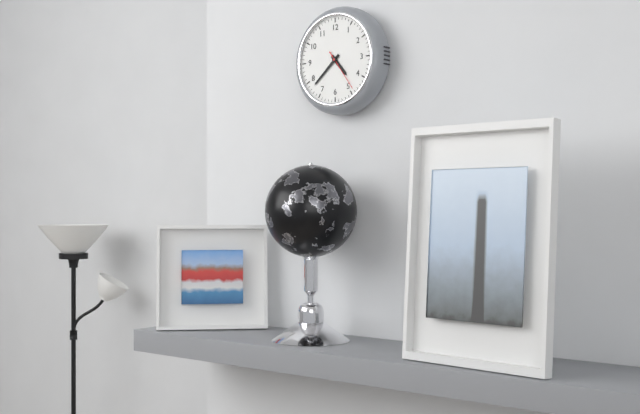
4:38
